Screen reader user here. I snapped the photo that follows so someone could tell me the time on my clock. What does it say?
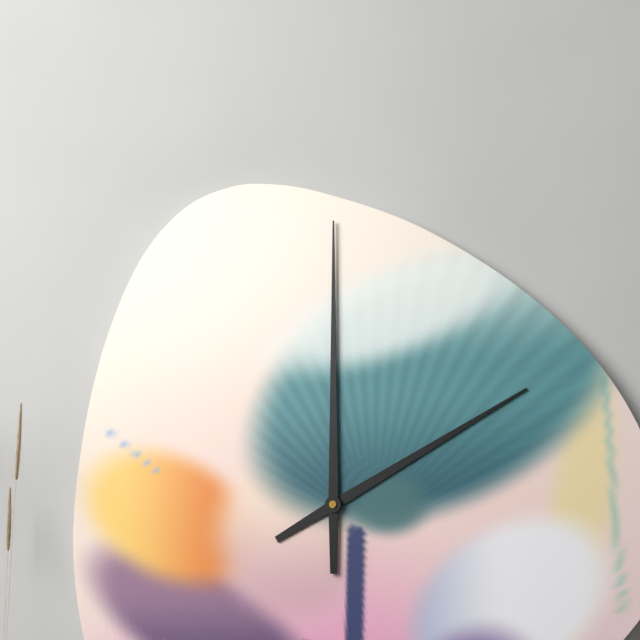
2:00
